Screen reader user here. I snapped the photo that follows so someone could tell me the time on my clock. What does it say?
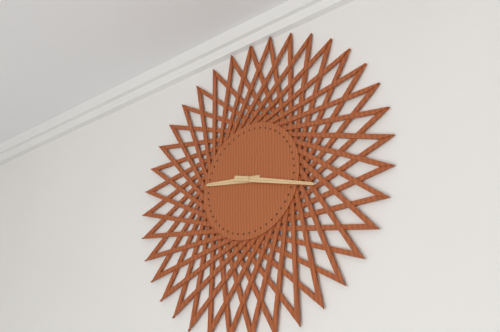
9:18
